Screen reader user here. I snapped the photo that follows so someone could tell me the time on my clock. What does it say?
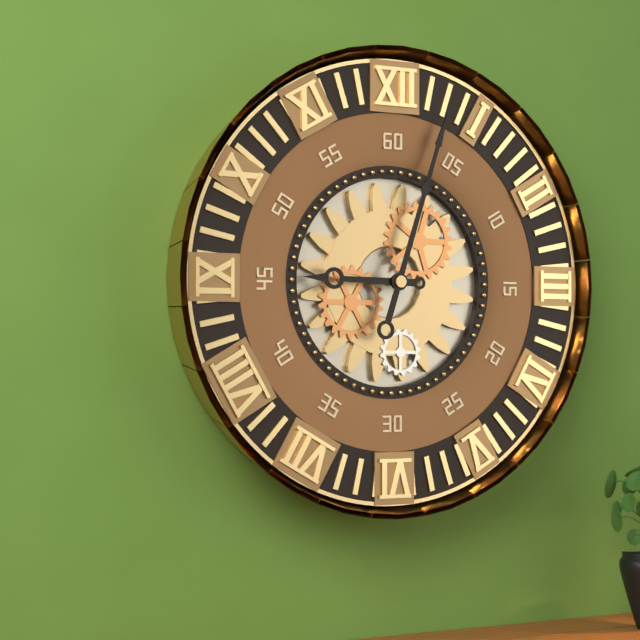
9:03
